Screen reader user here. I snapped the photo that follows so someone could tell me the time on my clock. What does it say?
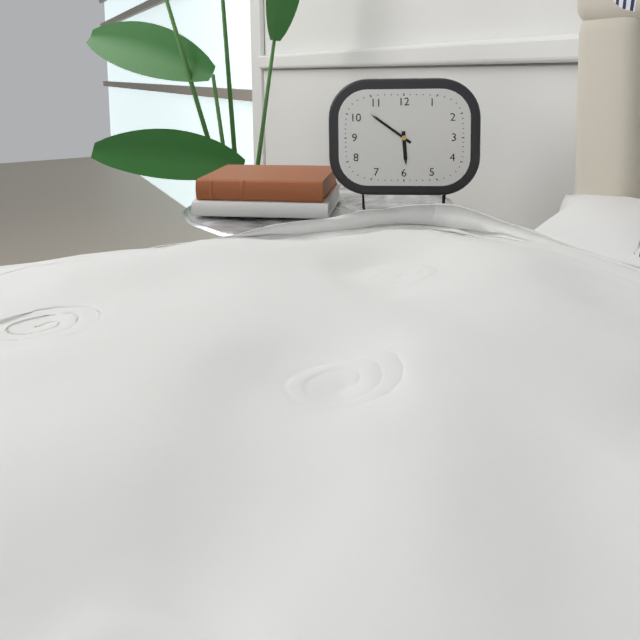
5:51
